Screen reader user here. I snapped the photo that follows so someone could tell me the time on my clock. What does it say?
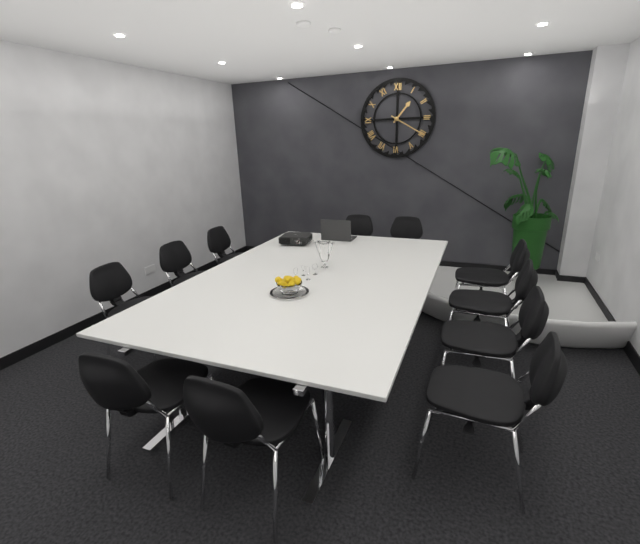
1:20
